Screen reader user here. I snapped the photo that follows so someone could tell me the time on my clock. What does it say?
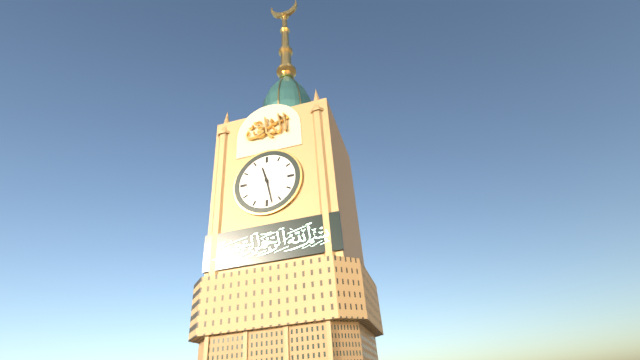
11:28
